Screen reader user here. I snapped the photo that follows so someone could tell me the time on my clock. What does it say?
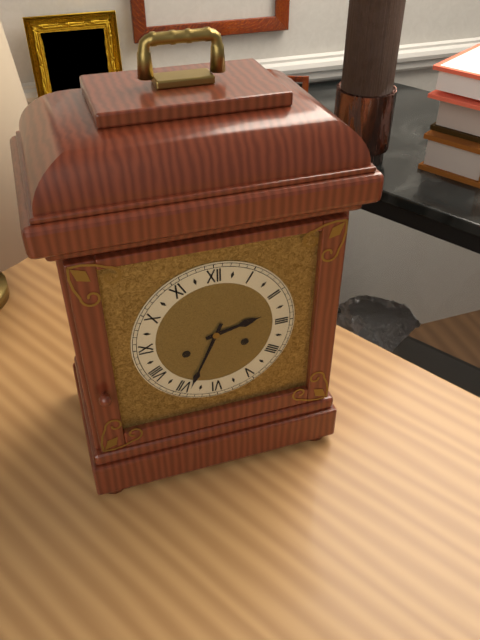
2:34
